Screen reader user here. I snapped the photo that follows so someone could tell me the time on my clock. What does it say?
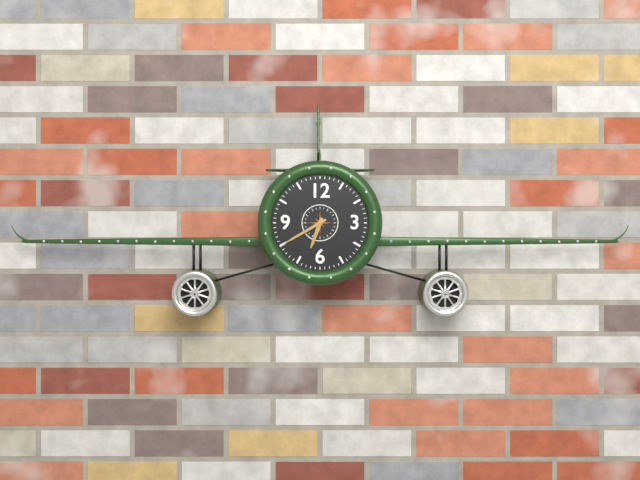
6:40
